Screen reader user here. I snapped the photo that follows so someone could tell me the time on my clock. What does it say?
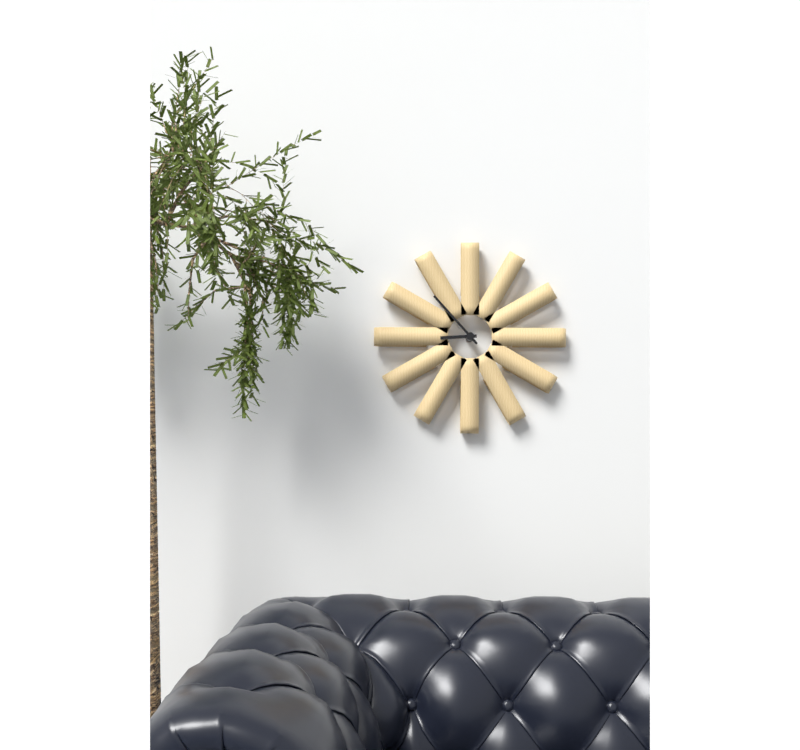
8:53
